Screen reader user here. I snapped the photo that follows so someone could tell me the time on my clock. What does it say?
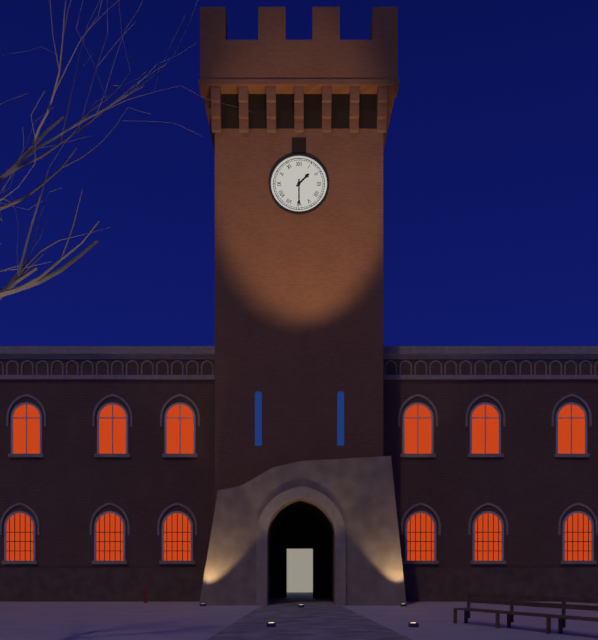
1:30
